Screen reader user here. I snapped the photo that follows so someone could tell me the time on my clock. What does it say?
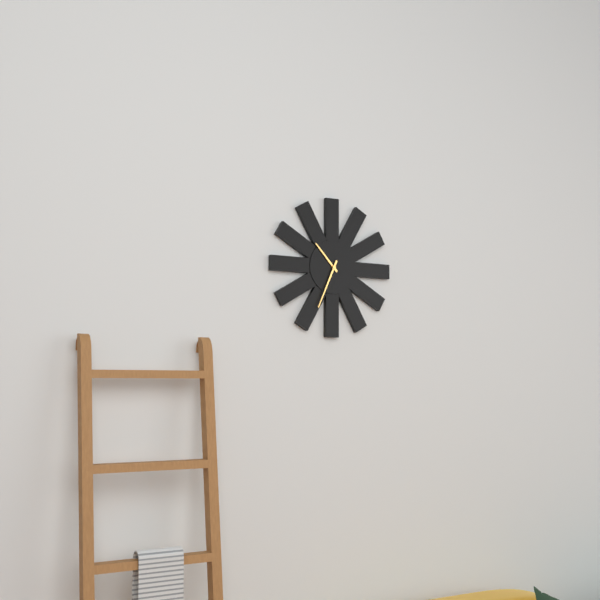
10:34
